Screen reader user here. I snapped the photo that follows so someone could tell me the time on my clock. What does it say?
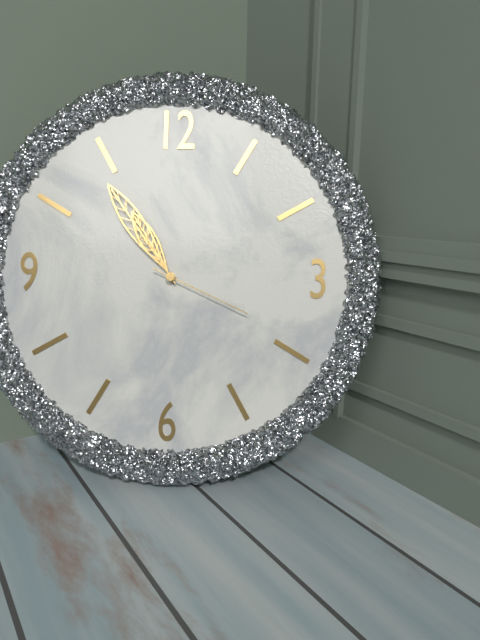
10:54:19
